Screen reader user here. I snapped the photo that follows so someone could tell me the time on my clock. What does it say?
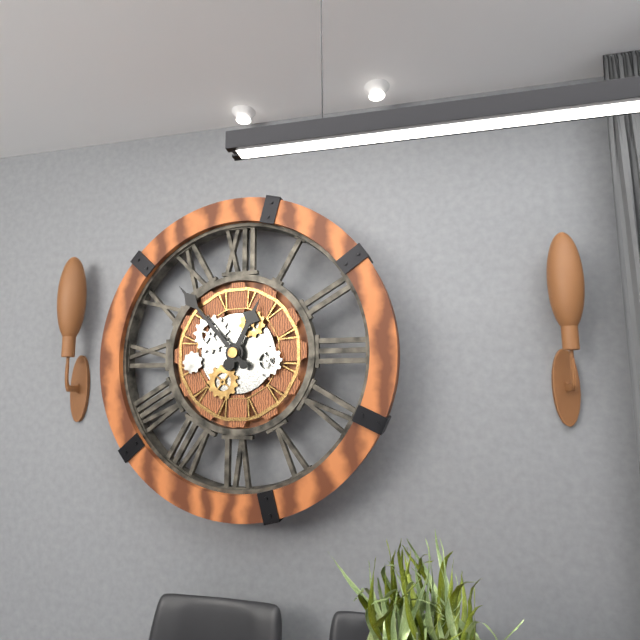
12:53
